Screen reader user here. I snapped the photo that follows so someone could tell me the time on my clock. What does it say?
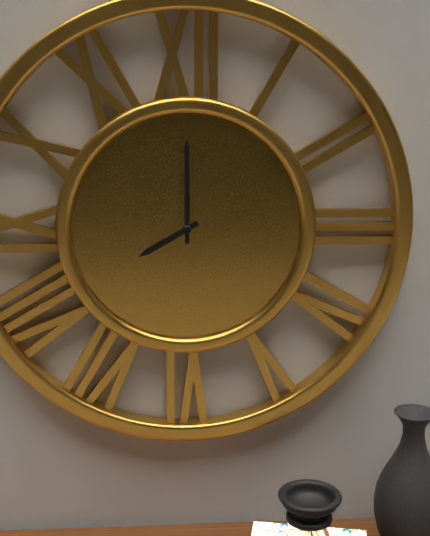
8:00
